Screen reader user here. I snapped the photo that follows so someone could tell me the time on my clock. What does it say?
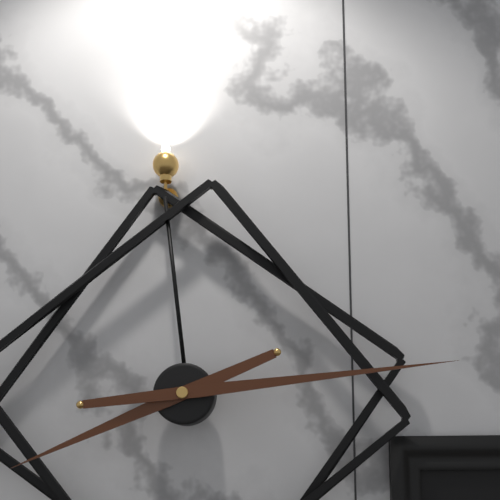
8:14
